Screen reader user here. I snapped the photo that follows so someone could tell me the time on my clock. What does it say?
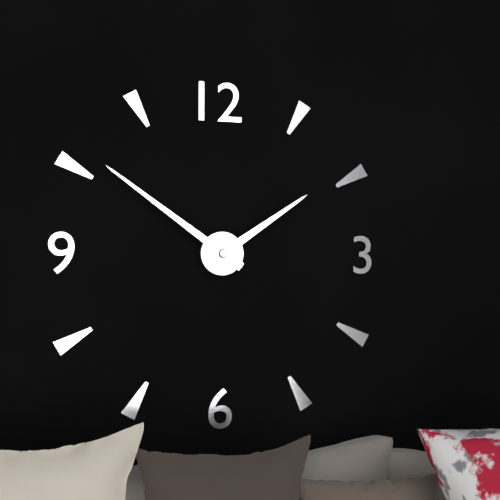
1:51
